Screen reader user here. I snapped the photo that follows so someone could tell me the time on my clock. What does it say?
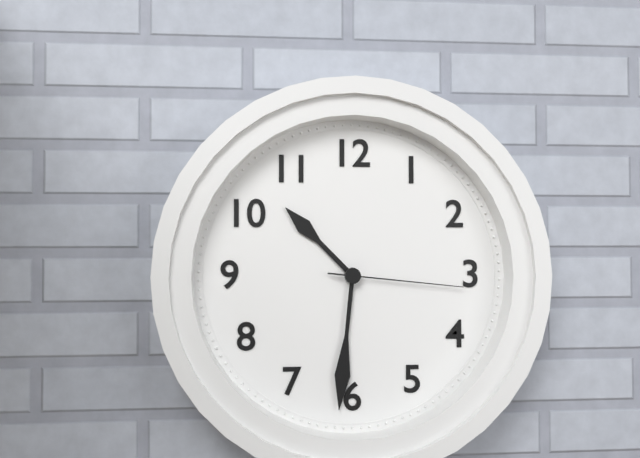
10:31:16
